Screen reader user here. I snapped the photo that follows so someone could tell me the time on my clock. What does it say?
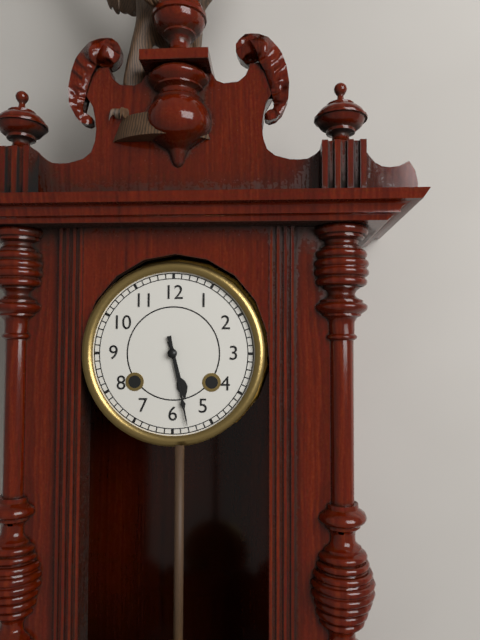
5:28
